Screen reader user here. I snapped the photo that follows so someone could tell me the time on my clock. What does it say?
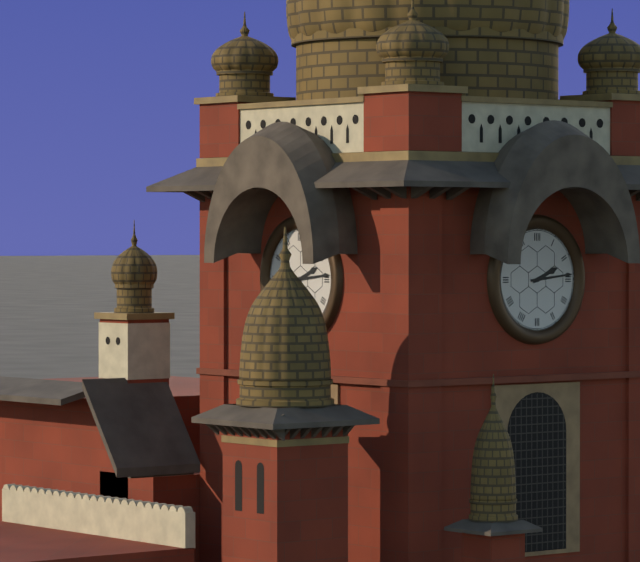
2:14
